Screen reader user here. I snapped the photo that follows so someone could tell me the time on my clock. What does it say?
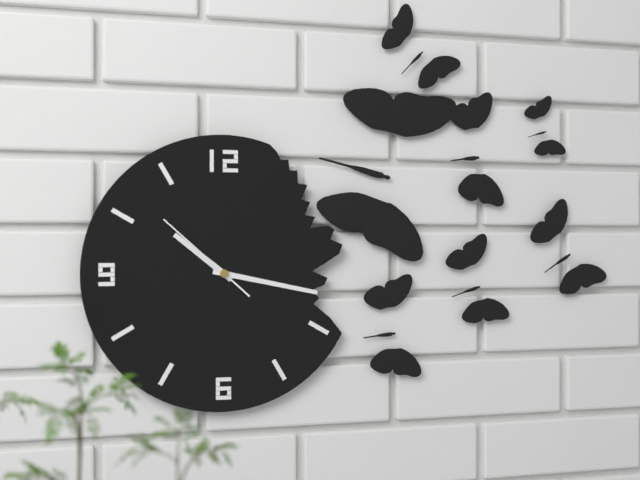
10:17:52
